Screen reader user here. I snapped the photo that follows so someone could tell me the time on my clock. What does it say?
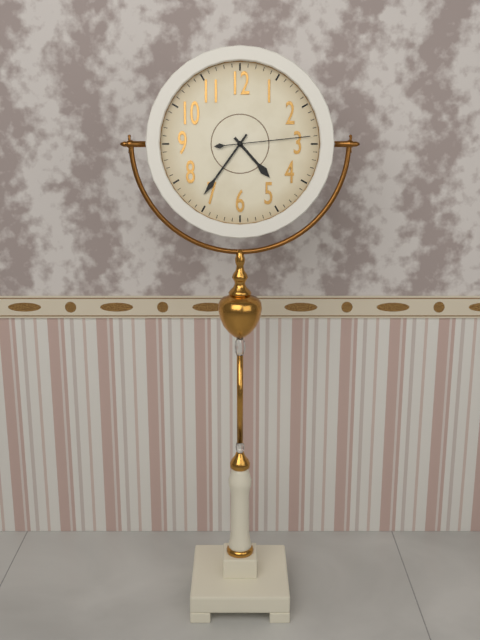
4:36:14
